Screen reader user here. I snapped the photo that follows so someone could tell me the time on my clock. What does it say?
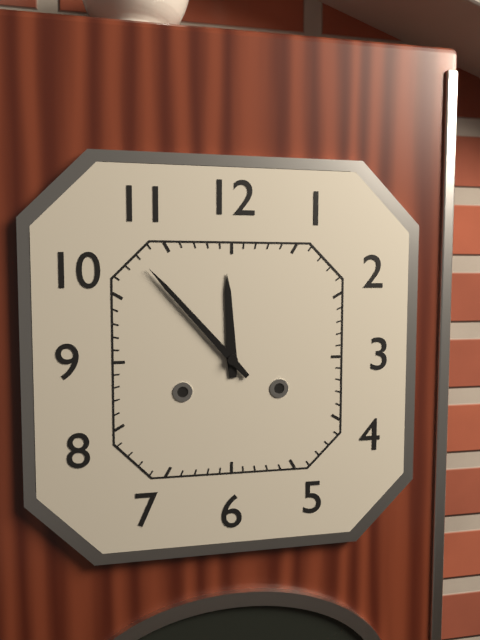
11:53
